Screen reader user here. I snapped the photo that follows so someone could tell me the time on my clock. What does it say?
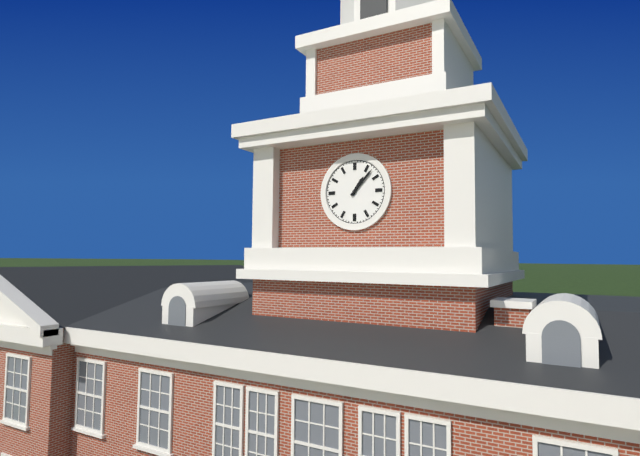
1:07
